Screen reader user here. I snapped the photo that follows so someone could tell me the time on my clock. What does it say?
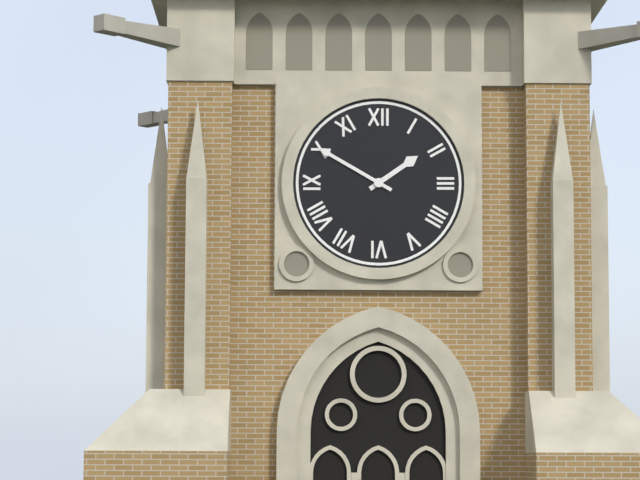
1:50
